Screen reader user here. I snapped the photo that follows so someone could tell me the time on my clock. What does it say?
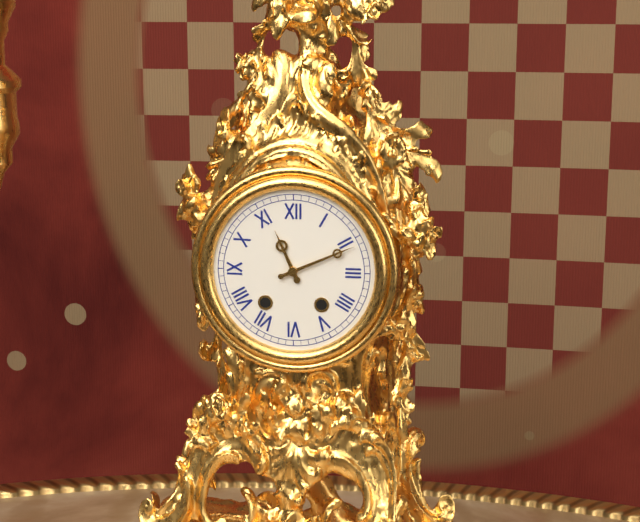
11:11
